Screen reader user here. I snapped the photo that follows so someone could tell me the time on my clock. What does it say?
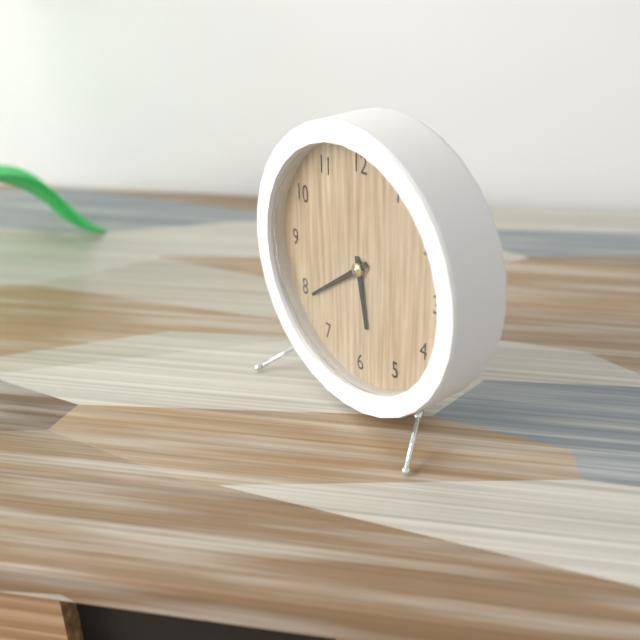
5:39
